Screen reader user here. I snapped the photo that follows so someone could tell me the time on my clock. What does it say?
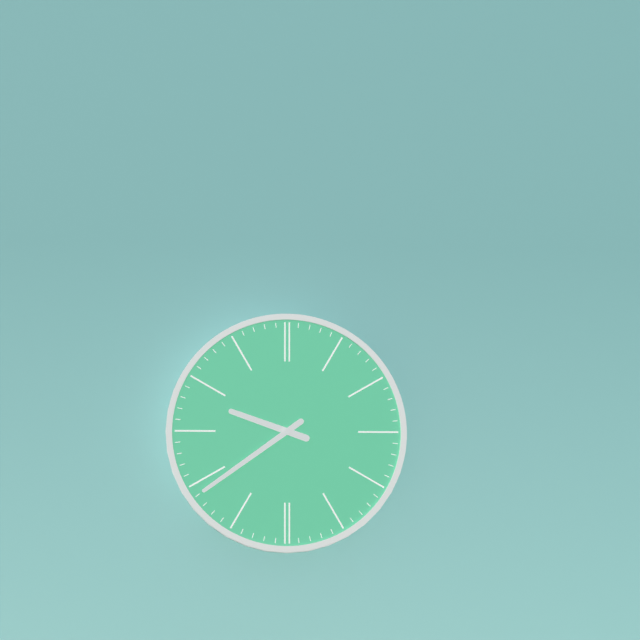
9:39
